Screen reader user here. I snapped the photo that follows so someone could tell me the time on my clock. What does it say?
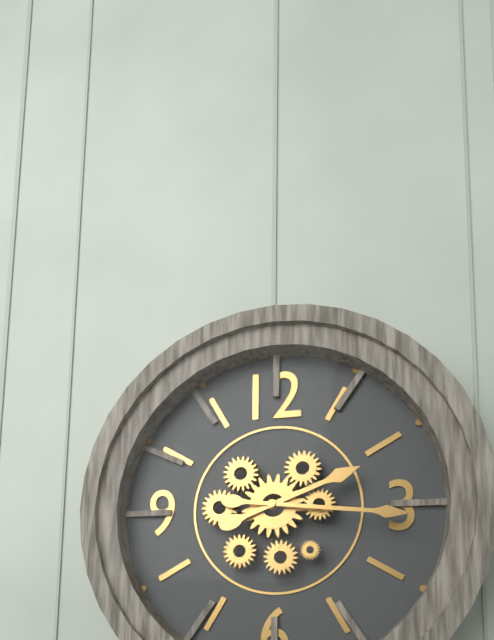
2:16
